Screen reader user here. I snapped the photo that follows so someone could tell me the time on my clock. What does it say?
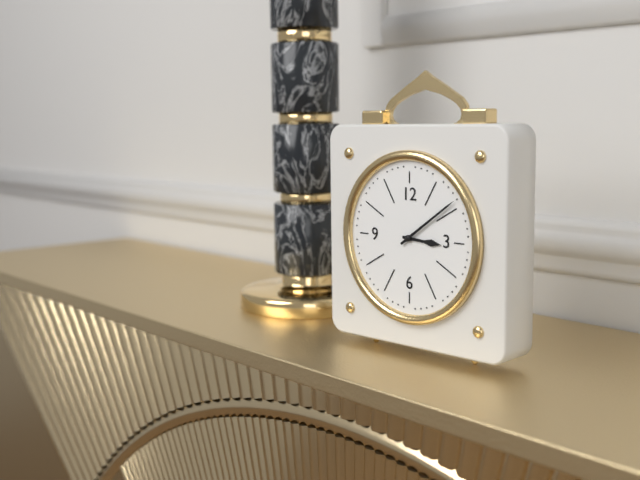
3:09
